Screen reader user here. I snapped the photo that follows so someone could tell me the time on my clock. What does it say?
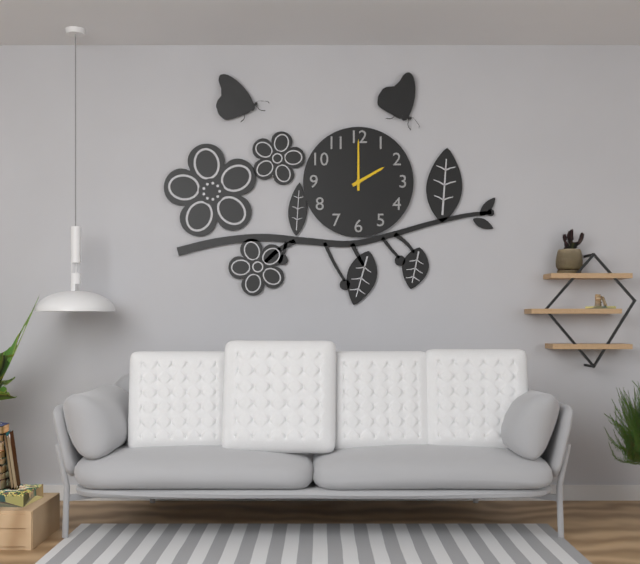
2:00
